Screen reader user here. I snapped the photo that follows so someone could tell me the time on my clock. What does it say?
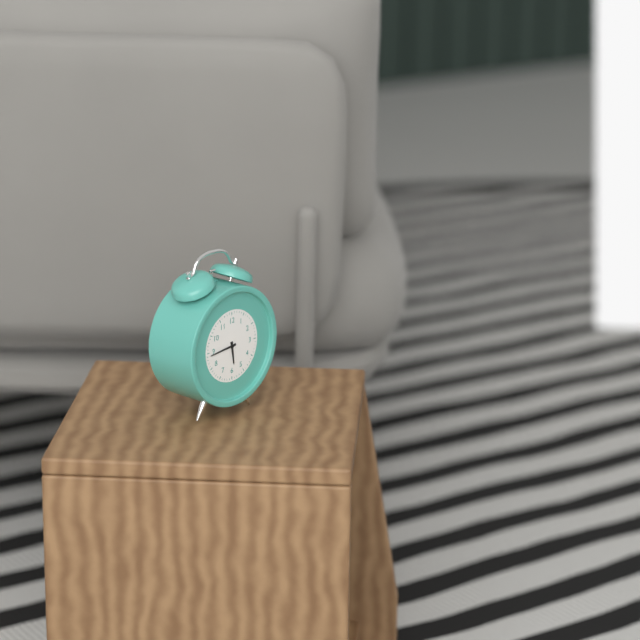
5:44
